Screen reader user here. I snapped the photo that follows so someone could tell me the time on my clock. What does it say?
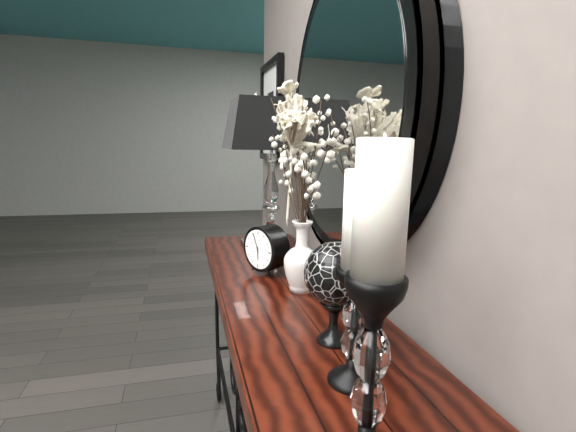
5:56
